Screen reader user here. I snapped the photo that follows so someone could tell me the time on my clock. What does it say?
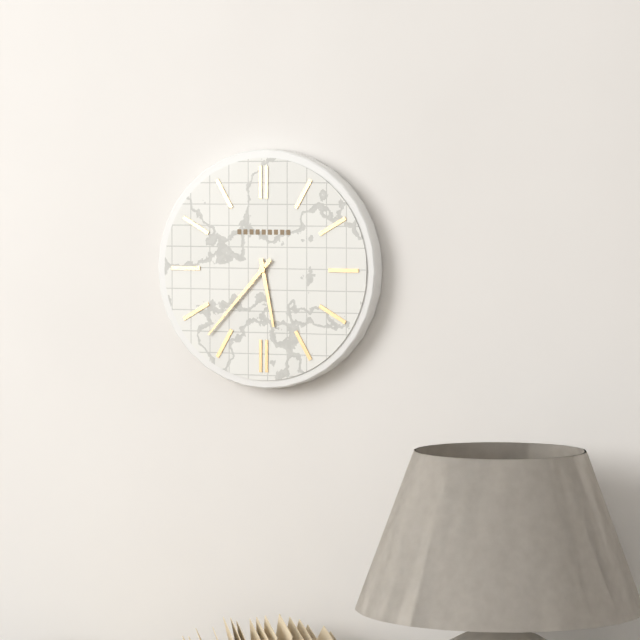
5:37
